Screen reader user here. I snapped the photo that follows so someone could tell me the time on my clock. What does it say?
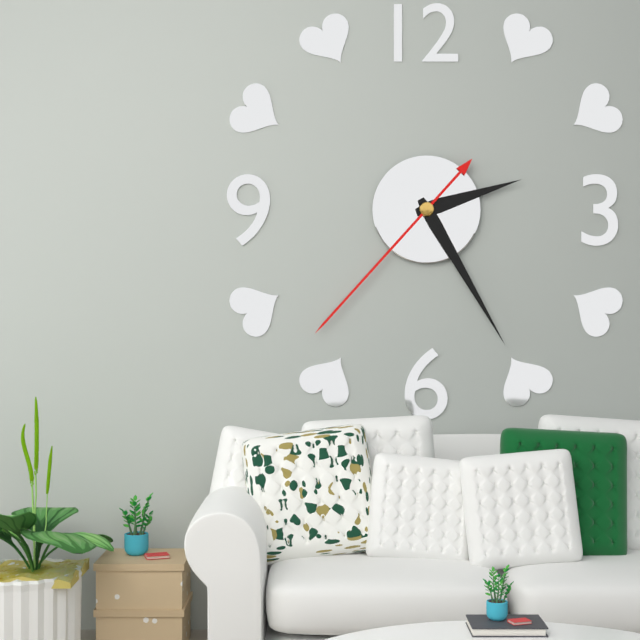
2:25:37
